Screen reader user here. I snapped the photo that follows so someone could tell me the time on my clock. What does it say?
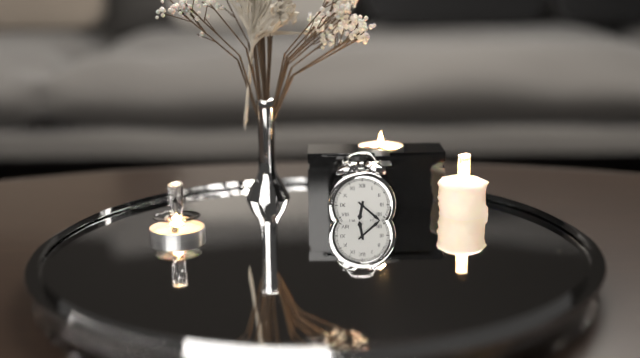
6:22
